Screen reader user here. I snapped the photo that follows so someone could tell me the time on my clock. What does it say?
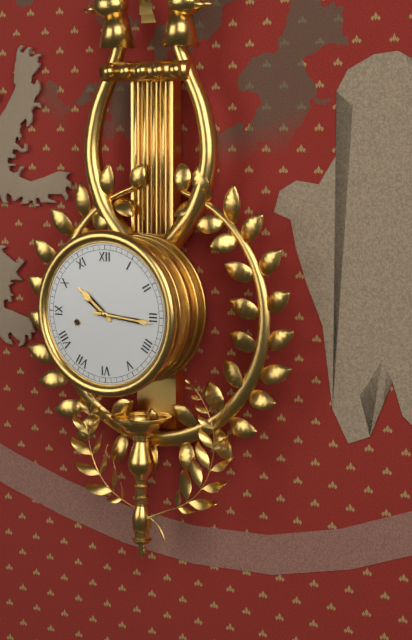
10:16
